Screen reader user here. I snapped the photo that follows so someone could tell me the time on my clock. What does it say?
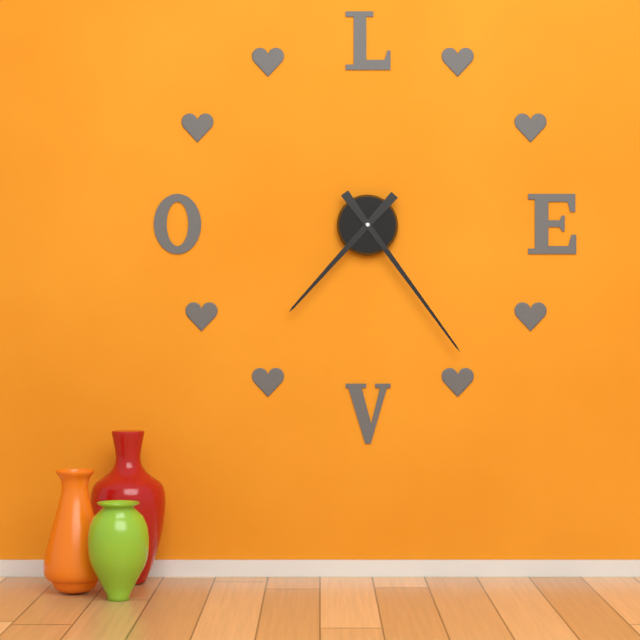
7:24
